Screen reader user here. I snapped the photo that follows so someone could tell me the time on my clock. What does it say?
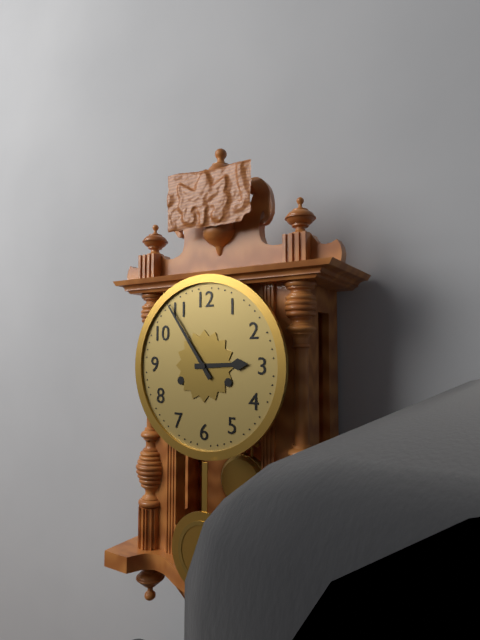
2:54
